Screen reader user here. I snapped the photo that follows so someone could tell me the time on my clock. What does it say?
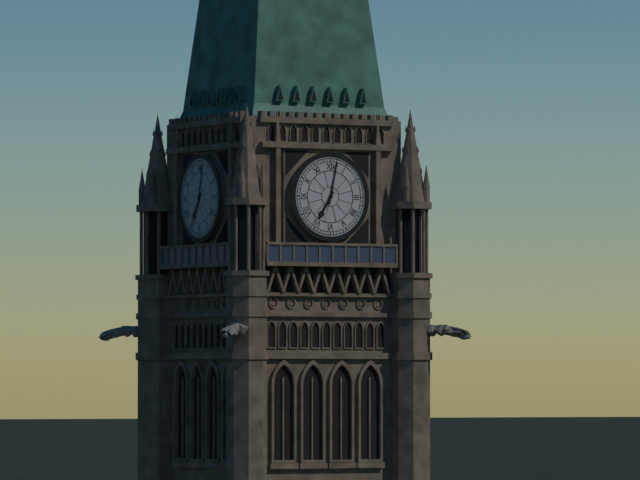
7:02
